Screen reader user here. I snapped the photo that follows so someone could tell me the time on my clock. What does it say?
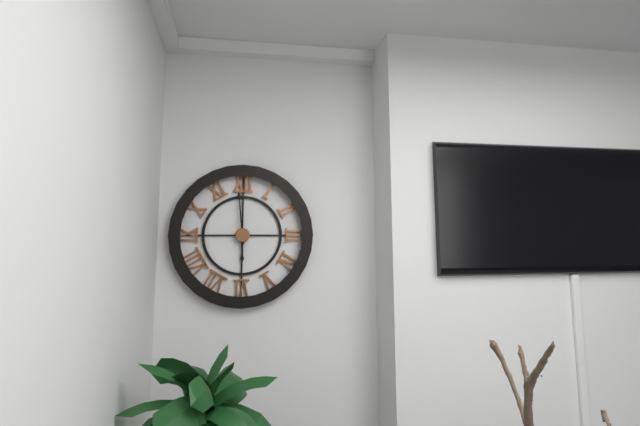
5:59
